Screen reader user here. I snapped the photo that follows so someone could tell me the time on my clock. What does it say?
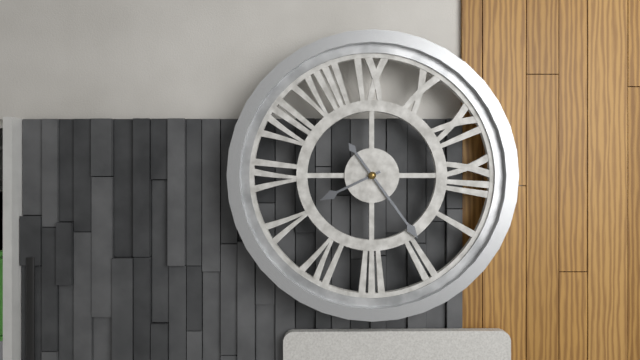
5:09
